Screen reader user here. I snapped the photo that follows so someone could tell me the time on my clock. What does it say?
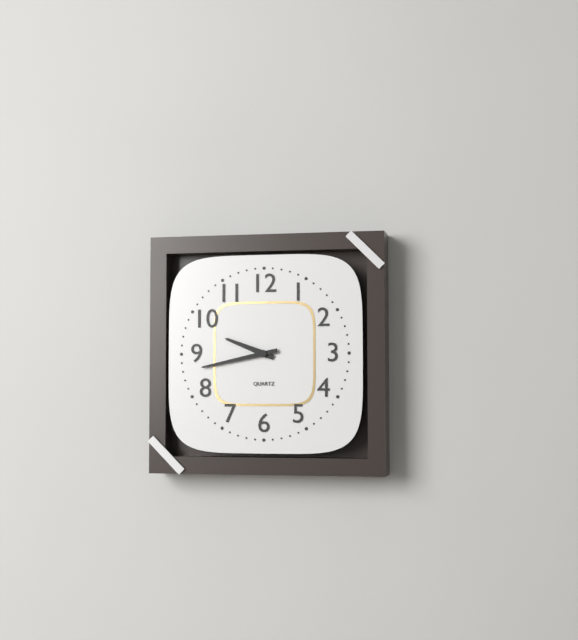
9:43
